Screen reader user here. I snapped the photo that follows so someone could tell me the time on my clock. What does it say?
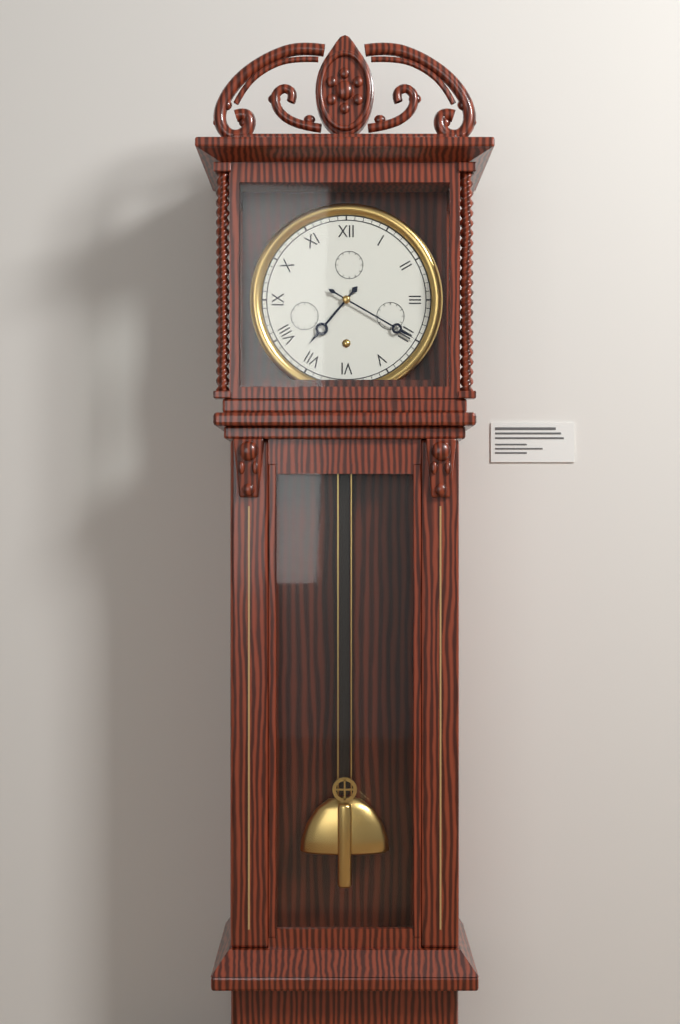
7:20
